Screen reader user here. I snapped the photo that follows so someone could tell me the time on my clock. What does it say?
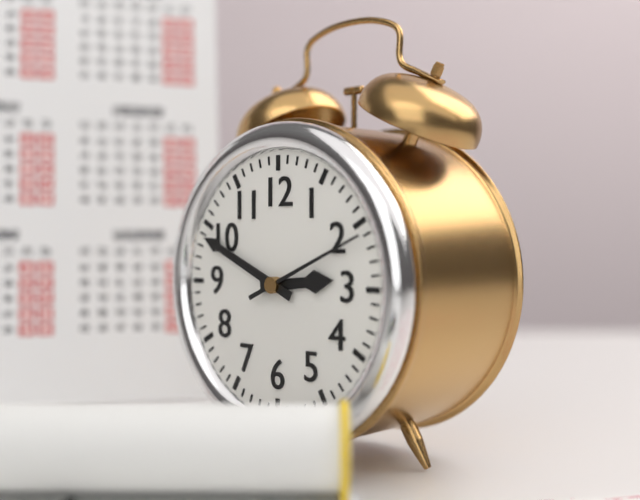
2:49:11
